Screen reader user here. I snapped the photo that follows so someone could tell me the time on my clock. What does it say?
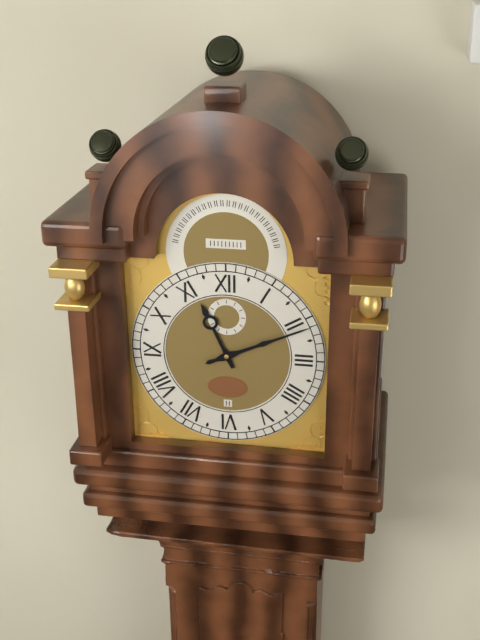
11:11
